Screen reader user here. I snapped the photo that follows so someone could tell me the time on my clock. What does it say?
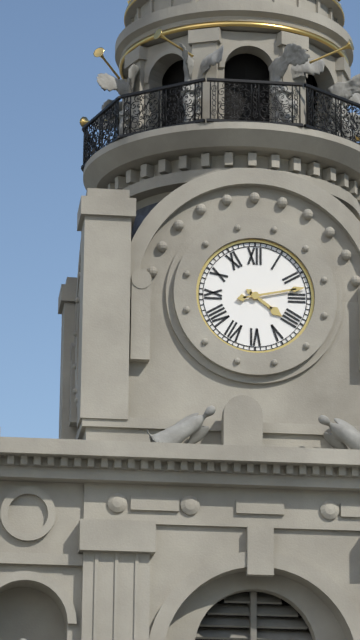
4:13
